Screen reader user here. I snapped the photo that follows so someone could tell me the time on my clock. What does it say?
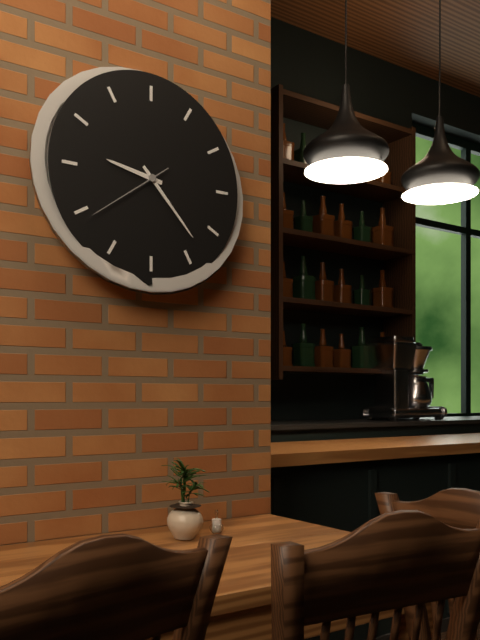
9:23:39
